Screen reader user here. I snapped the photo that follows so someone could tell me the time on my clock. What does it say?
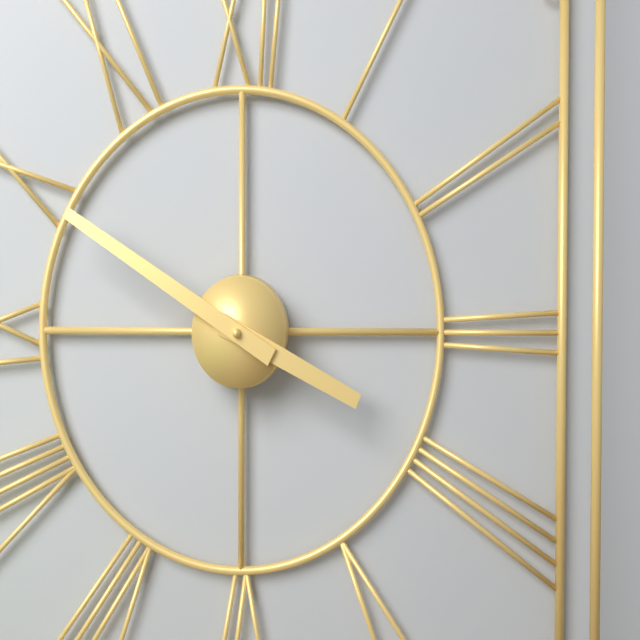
3:50
